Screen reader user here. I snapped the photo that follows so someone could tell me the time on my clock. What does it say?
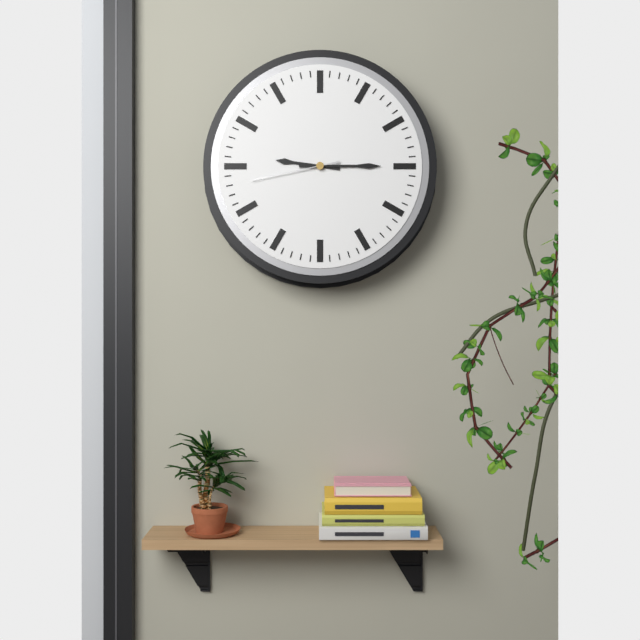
9:15:43
